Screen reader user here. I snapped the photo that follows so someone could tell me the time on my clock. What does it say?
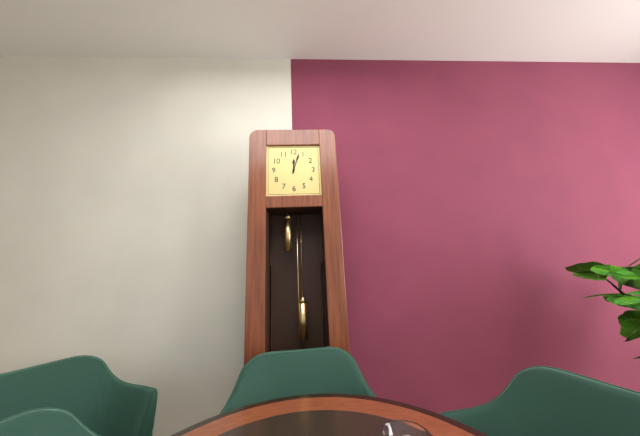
12:03
